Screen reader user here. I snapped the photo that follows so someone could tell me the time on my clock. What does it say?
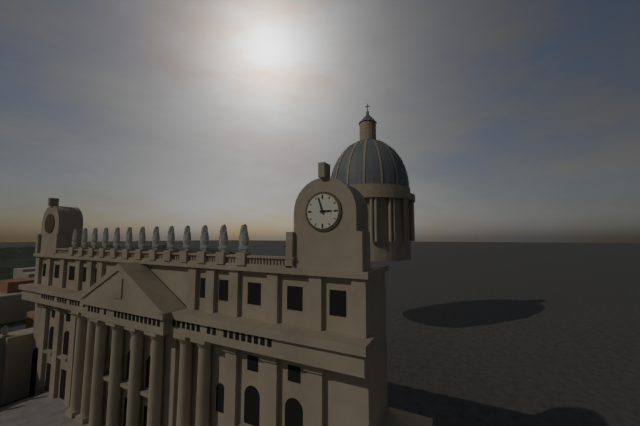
2:57
